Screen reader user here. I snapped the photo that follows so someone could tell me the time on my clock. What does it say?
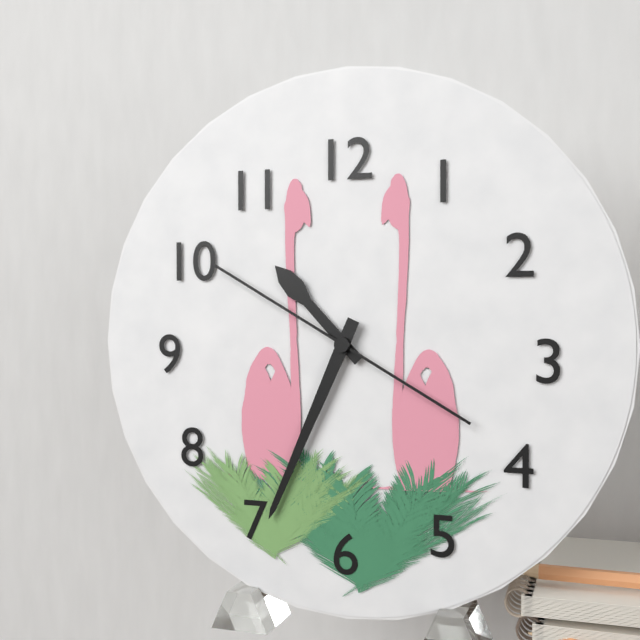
10:34:50
